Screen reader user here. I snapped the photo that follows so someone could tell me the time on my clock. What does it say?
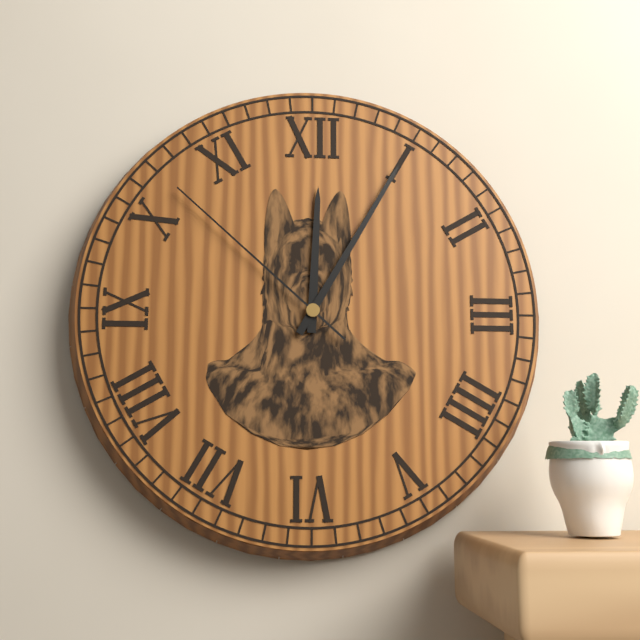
12:05:52
